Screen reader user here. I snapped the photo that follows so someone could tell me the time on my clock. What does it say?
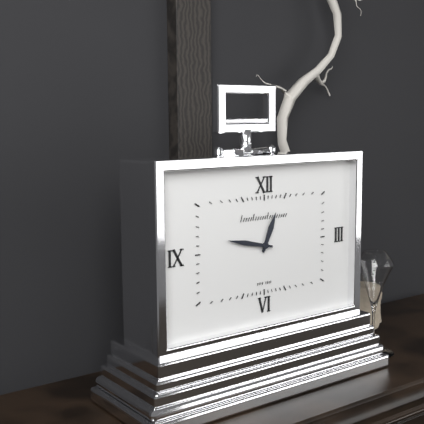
12:47
